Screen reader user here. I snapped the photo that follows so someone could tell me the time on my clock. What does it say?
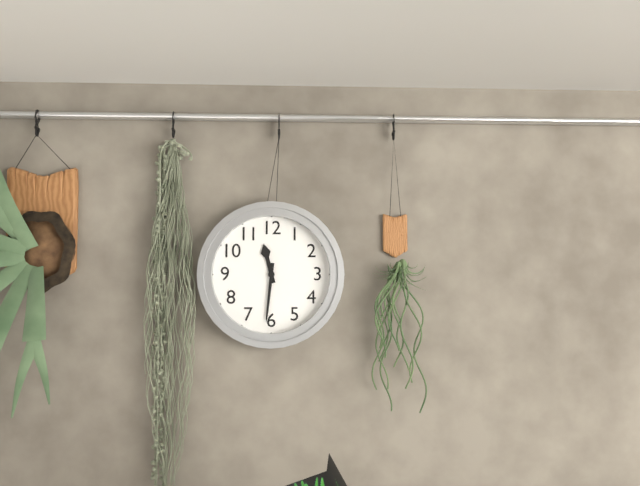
11:31
